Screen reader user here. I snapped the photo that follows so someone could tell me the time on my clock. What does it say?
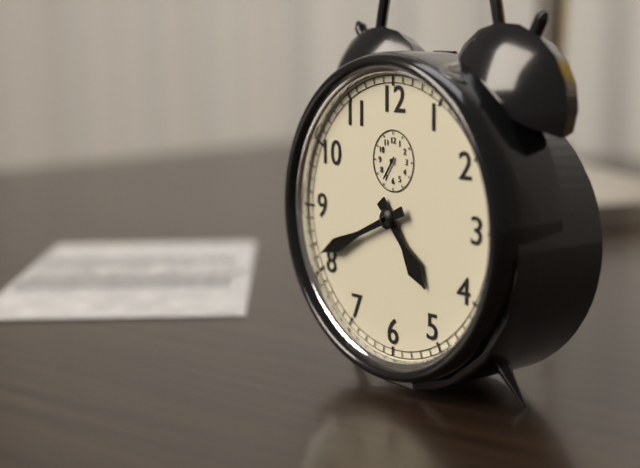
4:41
